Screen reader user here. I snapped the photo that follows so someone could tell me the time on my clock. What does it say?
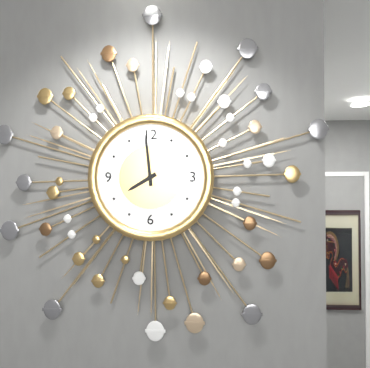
7:59
